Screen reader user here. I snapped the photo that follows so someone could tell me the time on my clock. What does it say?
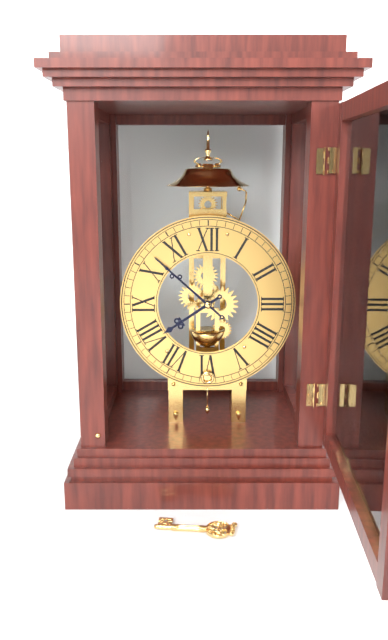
7:52
